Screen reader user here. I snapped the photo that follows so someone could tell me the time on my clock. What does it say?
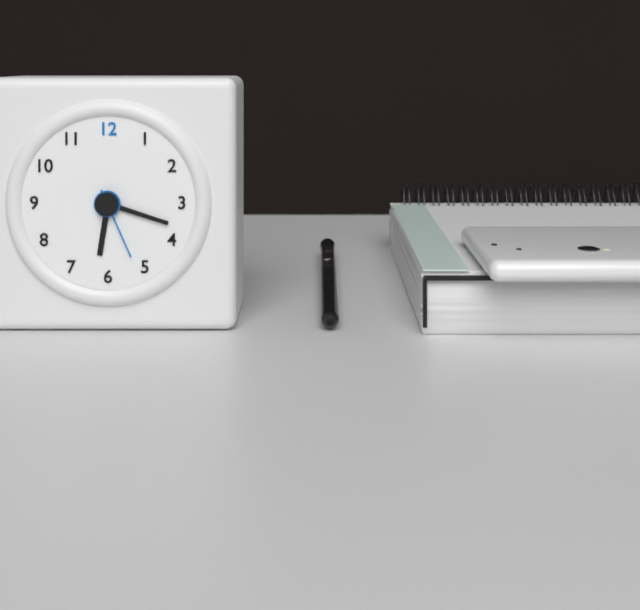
6:18:26
